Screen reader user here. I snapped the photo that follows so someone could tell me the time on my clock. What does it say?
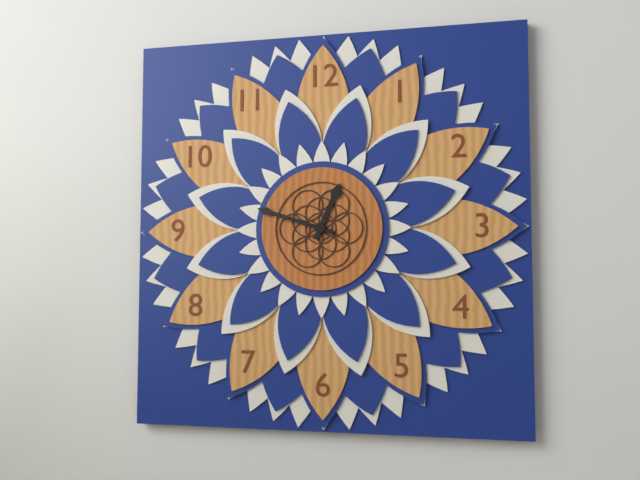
12:48
